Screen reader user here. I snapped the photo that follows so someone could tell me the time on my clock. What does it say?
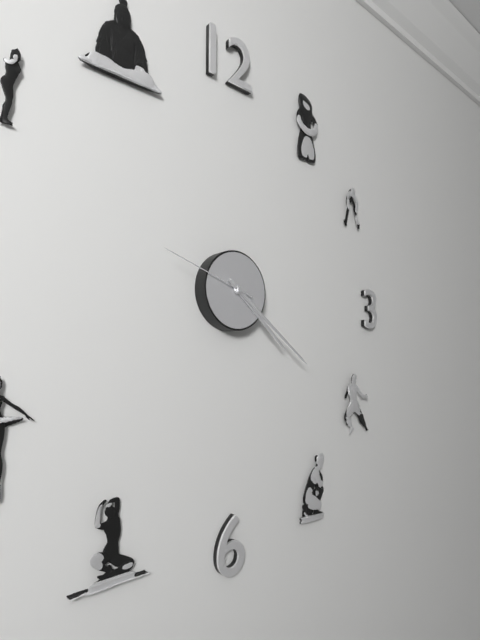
4:21:48
